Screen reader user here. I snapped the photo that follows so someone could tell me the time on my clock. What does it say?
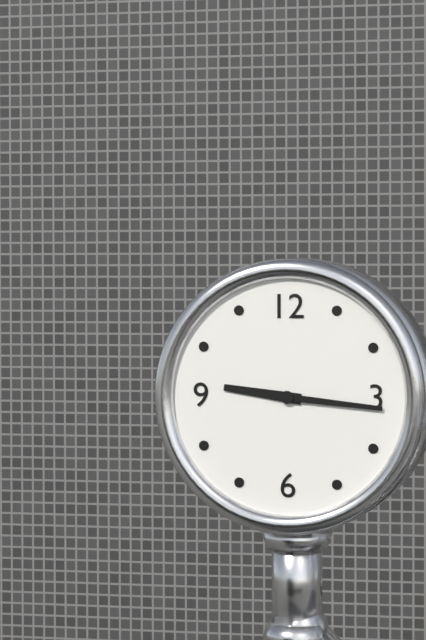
9:16
